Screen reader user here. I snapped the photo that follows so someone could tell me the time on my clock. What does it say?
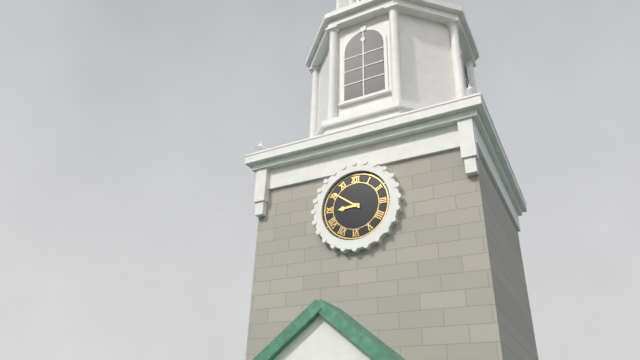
8:51
